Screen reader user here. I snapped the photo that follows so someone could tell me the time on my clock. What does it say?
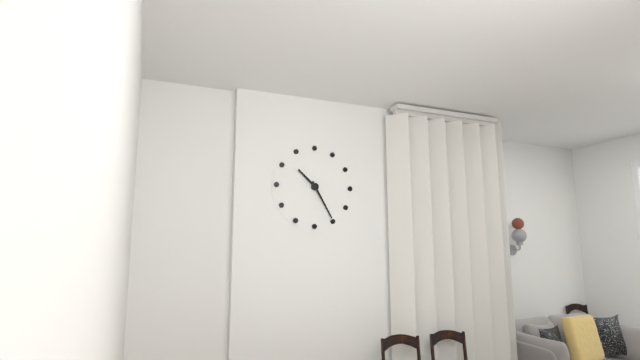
10:25
